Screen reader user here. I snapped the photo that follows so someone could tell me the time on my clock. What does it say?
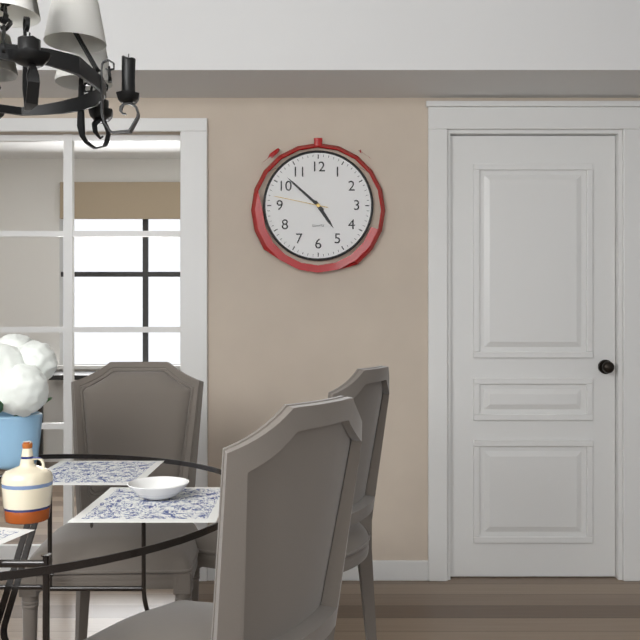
4:52:47
